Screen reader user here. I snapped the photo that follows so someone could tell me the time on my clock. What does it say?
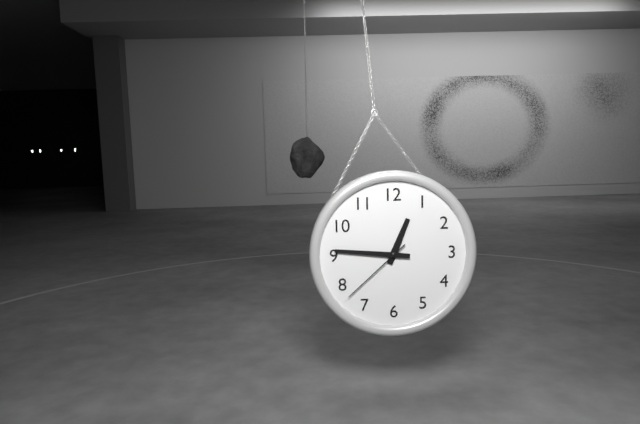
12:46:38
